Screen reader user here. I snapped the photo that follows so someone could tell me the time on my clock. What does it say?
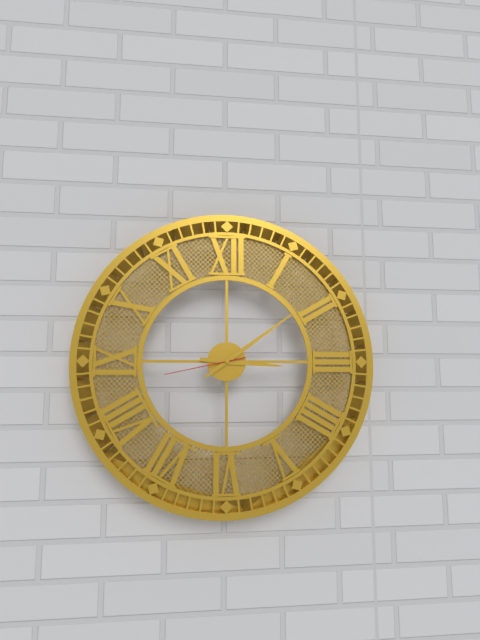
3:09:43
